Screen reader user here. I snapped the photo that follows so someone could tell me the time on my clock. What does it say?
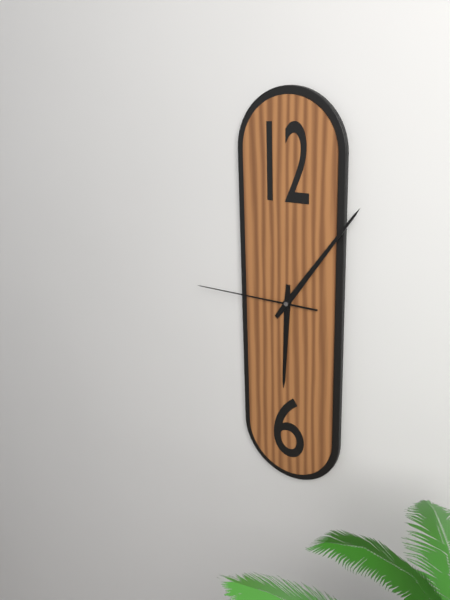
6:06:45
